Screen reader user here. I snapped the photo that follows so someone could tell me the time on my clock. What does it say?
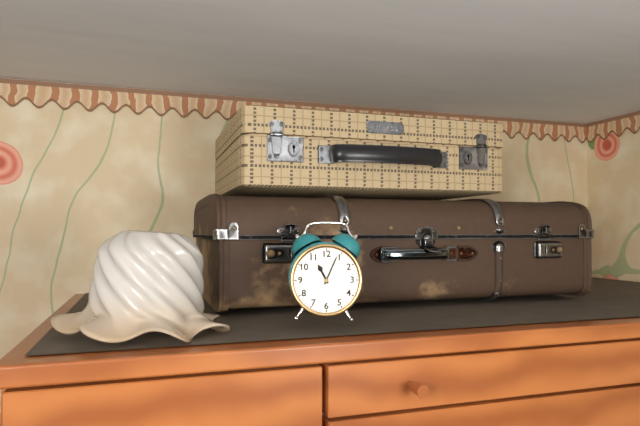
11:04
